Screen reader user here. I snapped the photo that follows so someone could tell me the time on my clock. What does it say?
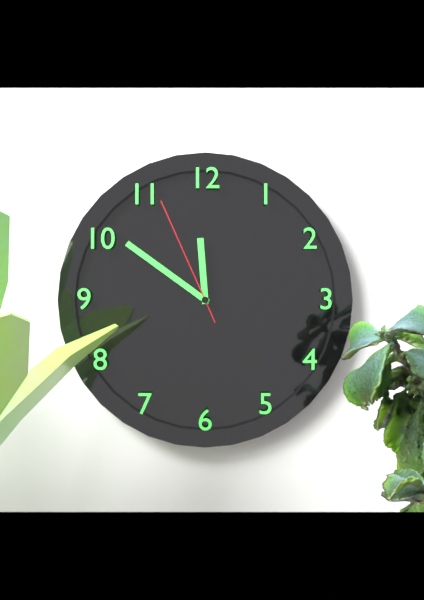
11:51:56
